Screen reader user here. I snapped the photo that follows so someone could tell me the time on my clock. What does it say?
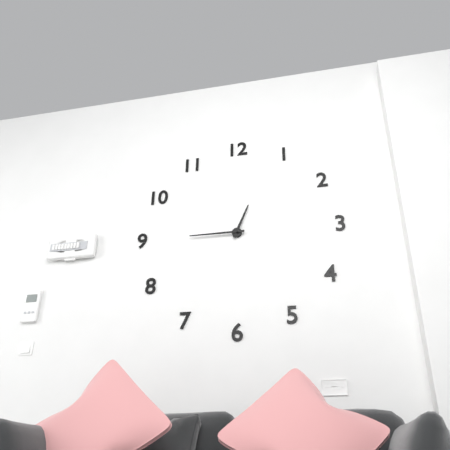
12:45
